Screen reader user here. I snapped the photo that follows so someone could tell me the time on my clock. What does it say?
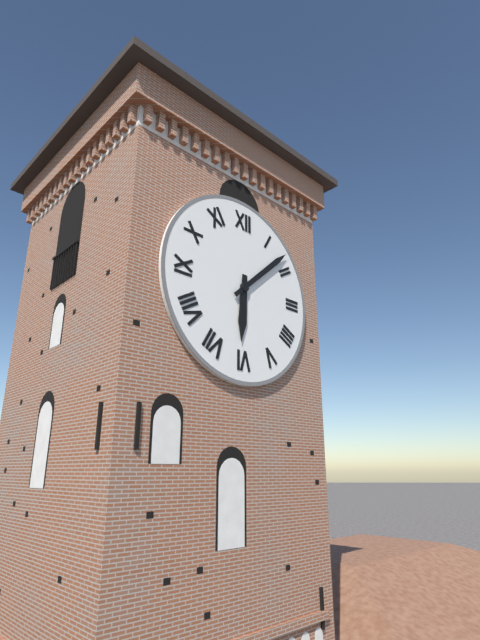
6:08
